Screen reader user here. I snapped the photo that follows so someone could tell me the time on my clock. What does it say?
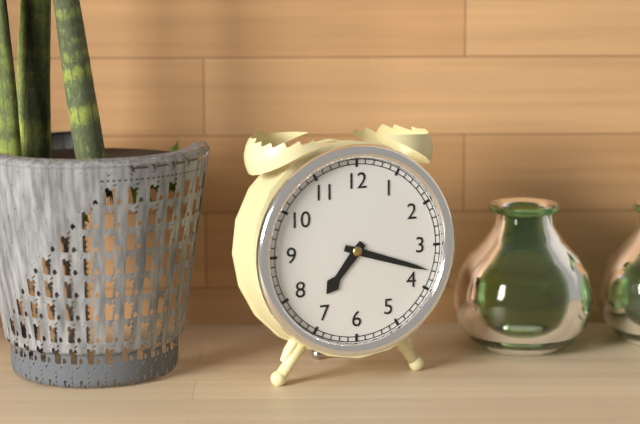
7:18
